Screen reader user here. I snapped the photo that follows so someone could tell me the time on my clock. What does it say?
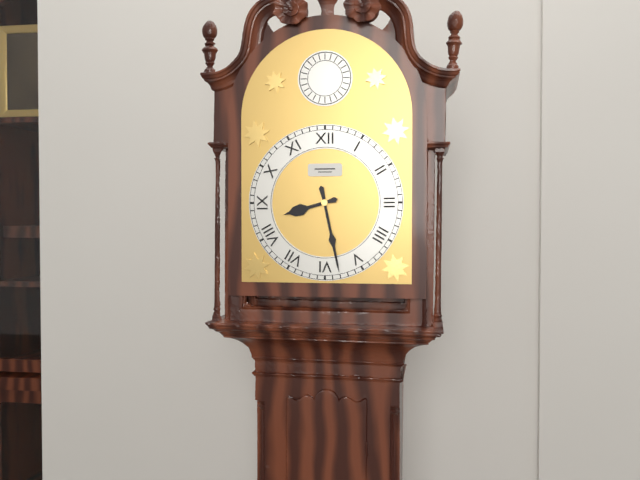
8:28
